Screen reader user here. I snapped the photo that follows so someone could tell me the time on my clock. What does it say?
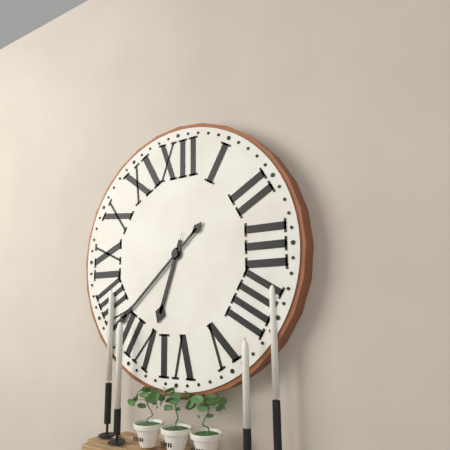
6:38
